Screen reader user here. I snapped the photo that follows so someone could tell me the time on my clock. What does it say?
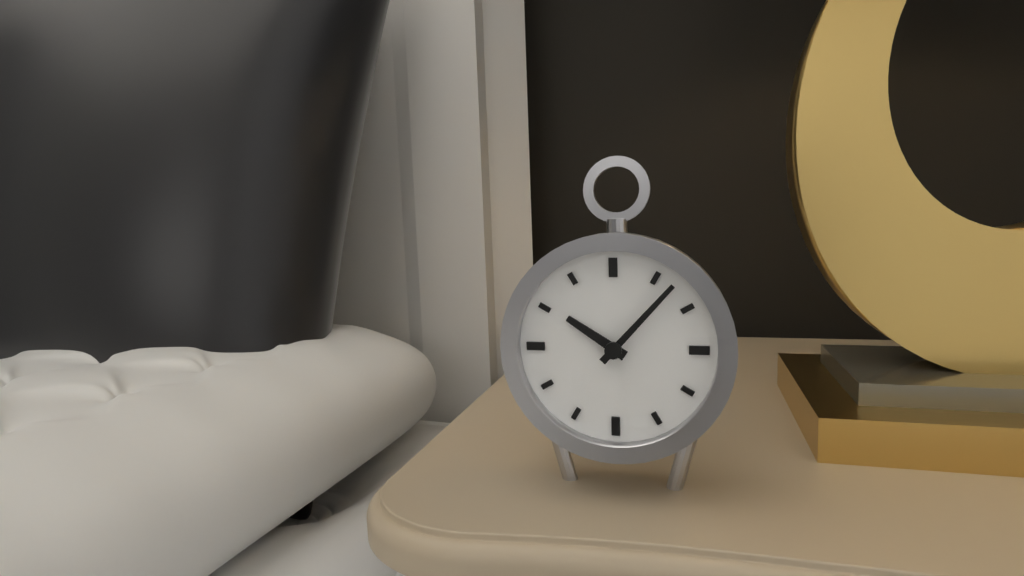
10:07
